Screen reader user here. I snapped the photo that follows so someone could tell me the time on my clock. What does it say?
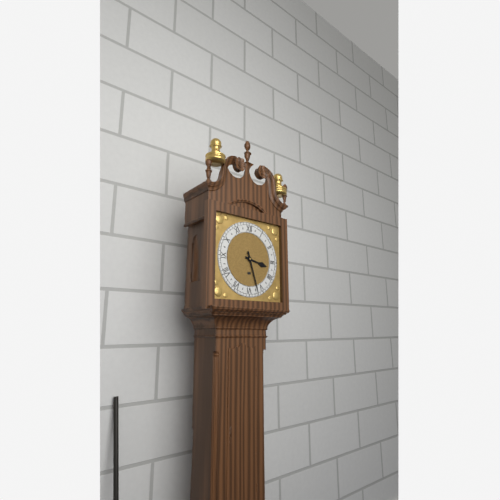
3:27
